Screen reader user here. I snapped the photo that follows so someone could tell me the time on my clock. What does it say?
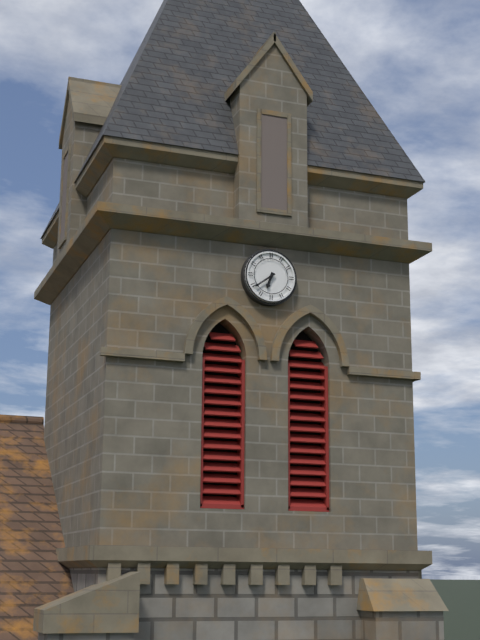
6:39
